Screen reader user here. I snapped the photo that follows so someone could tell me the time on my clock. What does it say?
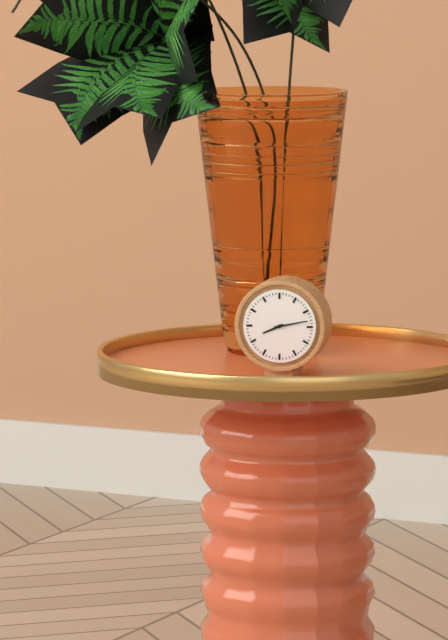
8:13
